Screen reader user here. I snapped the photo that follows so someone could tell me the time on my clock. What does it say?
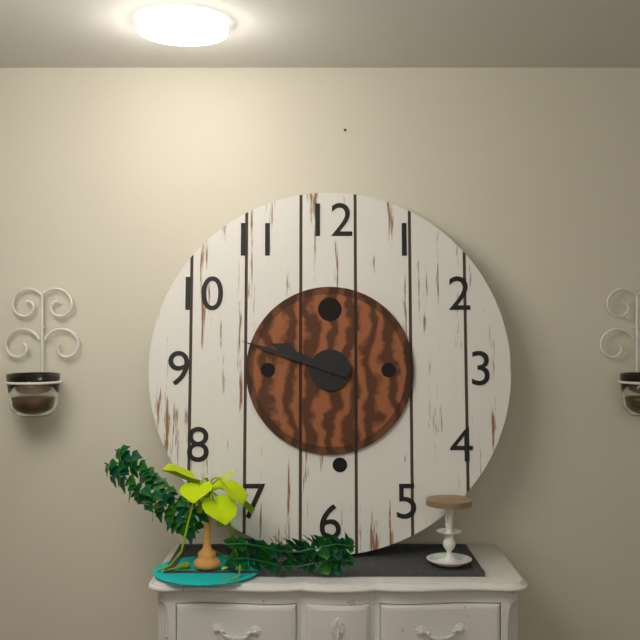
9:48
